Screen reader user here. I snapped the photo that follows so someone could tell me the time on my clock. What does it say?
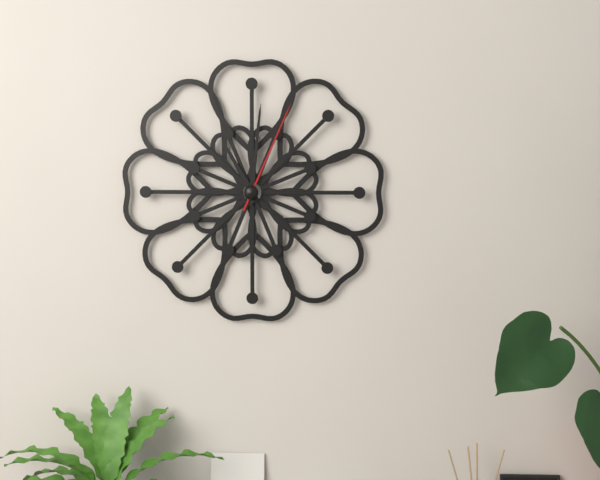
11:01:04
